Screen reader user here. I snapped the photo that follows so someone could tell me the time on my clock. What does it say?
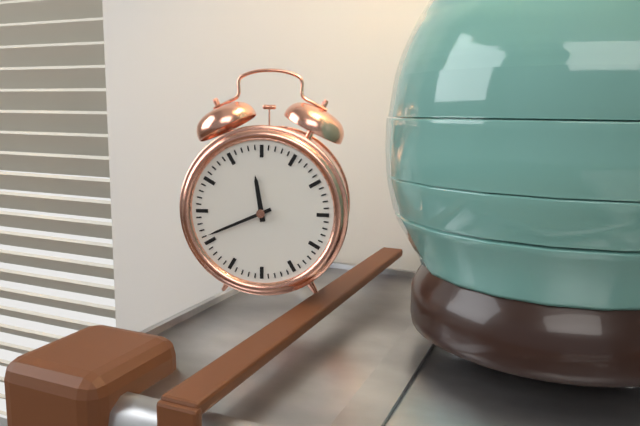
11:41
